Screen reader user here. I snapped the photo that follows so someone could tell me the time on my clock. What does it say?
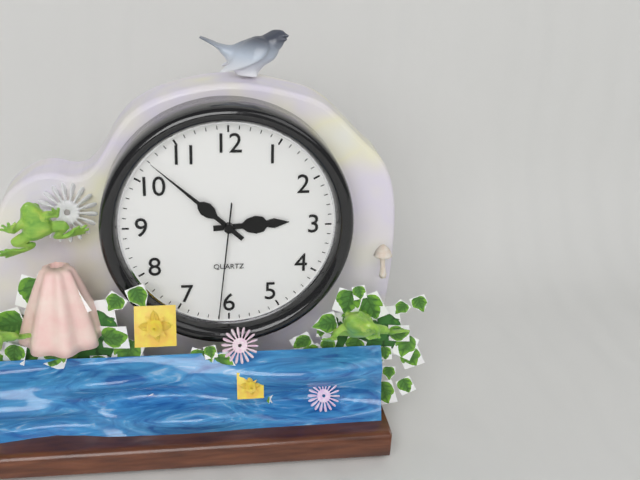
2:52:31
